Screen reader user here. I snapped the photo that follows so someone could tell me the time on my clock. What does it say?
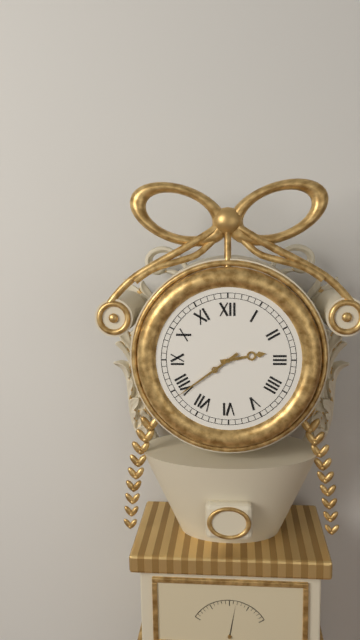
2:39
